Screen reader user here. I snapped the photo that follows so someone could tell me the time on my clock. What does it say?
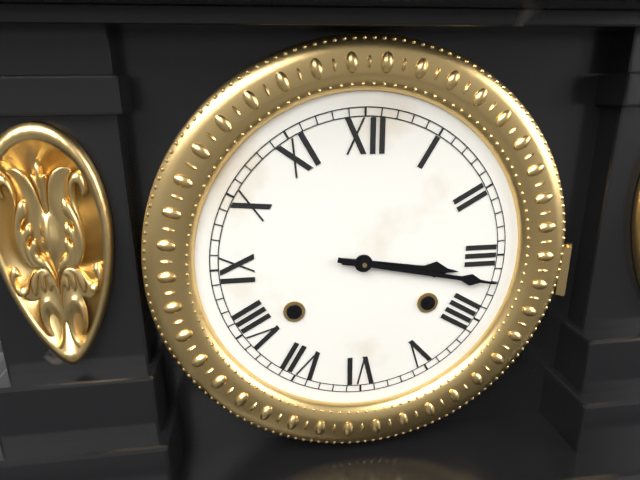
3:17
